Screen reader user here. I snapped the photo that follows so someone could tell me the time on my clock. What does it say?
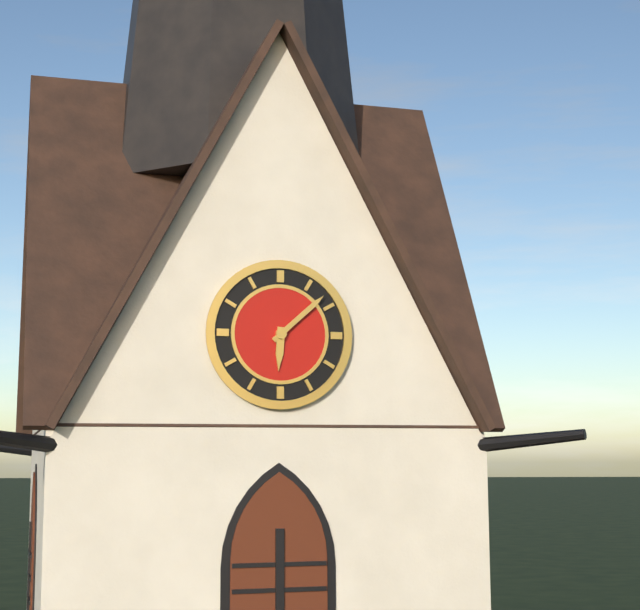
6:08
